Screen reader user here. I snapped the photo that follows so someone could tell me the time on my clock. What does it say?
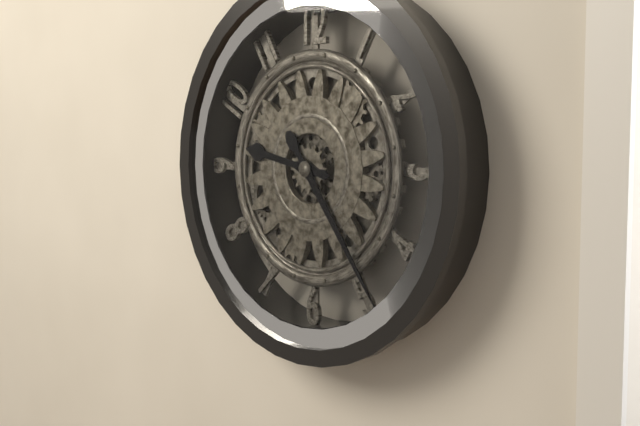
9:24
